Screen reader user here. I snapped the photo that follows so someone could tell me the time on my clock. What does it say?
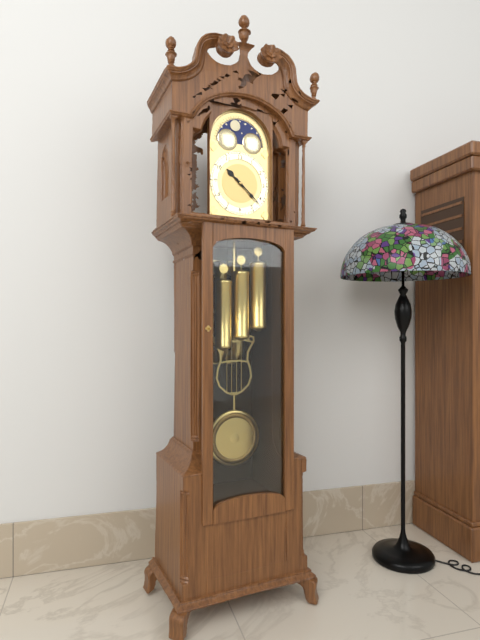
10:22
